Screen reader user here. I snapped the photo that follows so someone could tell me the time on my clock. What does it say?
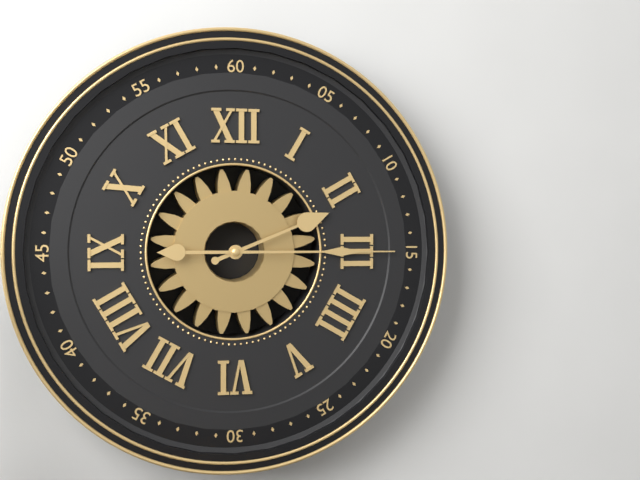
2:15
